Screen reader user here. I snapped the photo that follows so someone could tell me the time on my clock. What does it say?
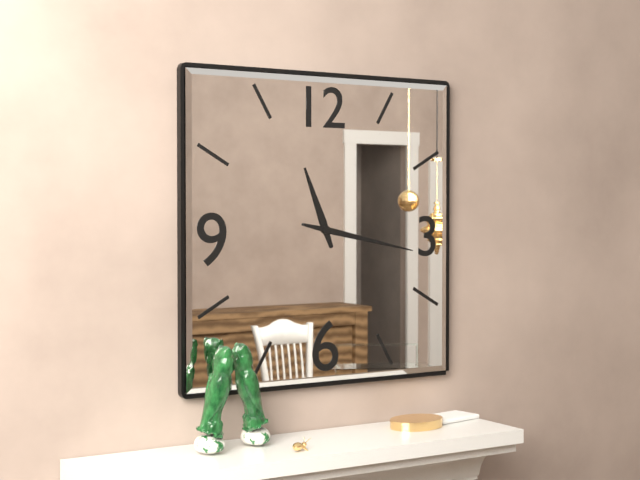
11:17
